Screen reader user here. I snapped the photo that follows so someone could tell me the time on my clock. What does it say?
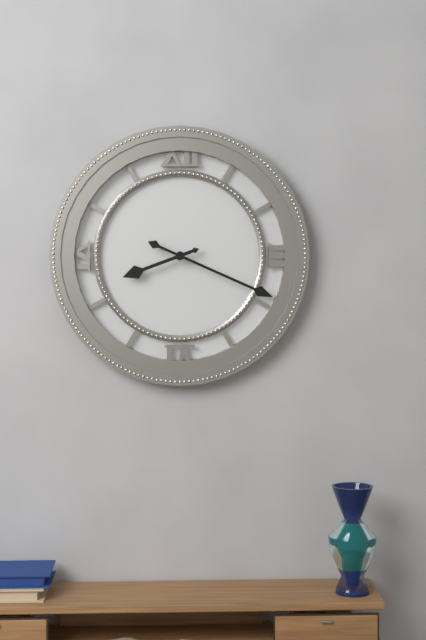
8:19
